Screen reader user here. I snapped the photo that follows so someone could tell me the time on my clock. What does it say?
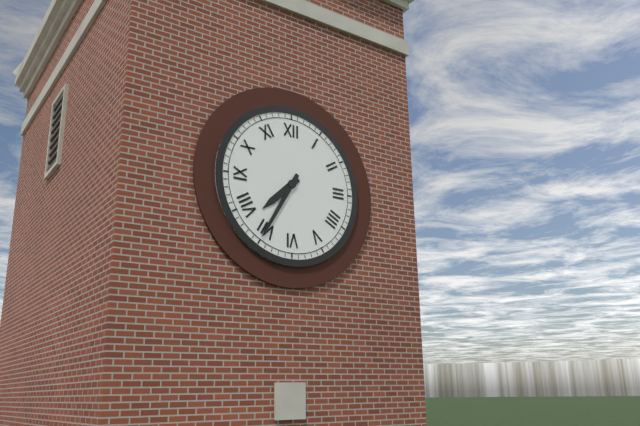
7:35
